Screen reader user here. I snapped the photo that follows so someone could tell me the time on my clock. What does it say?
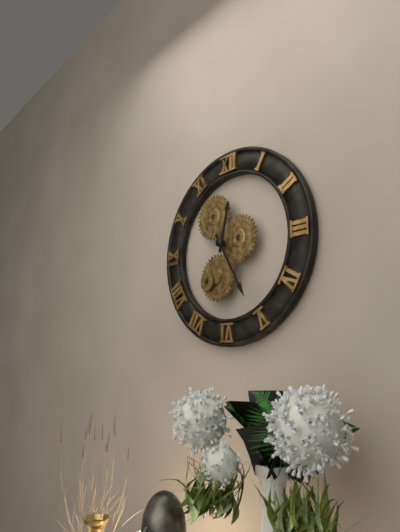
12:25
